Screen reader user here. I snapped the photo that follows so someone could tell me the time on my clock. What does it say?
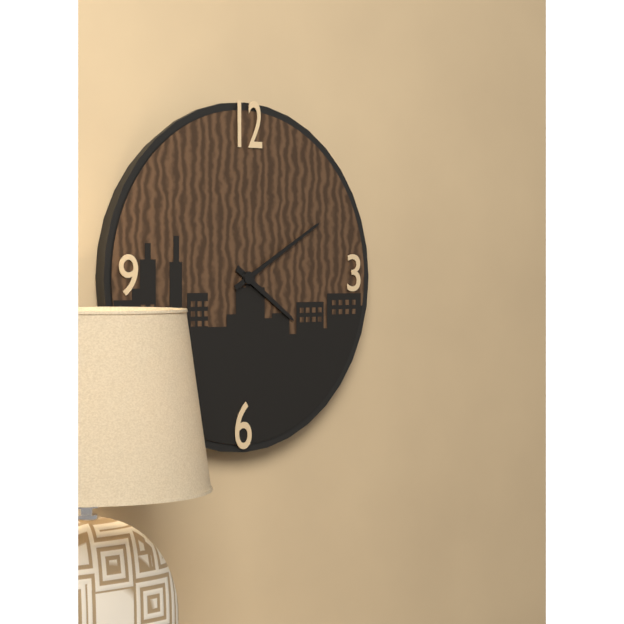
4:10
